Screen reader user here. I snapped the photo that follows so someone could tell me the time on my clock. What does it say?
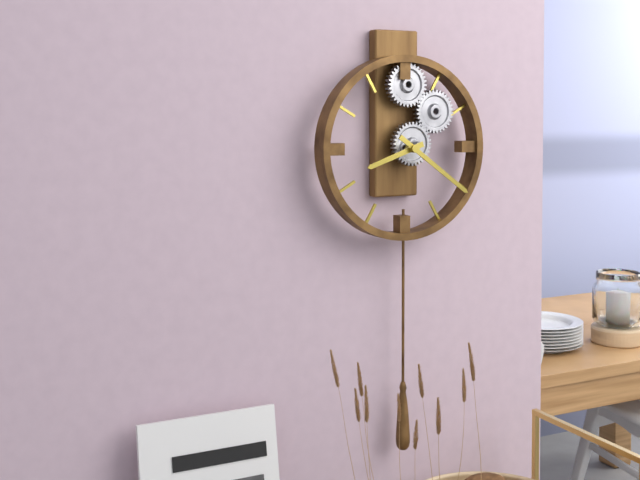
8:21
